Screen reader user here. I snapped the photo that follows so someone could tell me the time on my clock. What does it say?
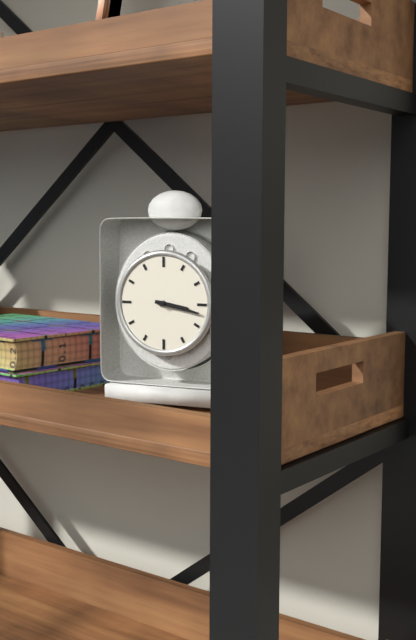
3:17
